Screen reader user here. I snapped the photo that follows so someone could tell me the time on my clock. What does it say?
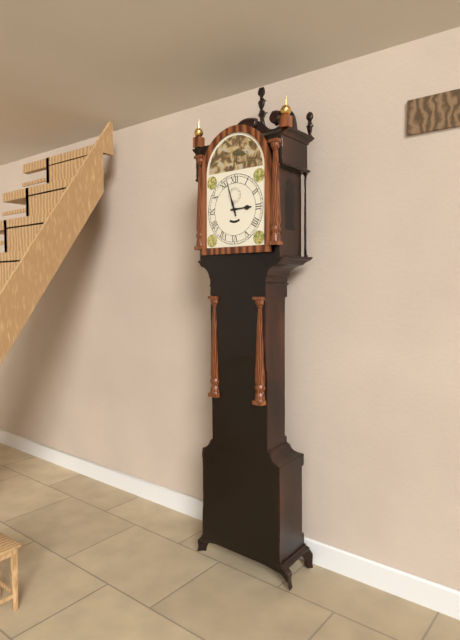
2:57
